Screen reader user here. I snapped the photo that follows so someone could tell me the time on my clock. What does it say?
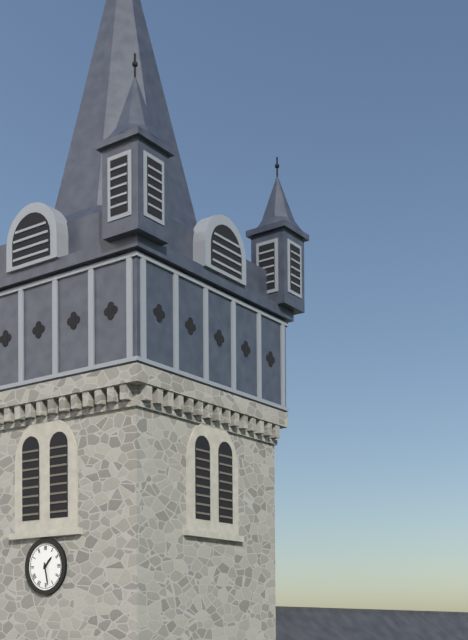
1:28
